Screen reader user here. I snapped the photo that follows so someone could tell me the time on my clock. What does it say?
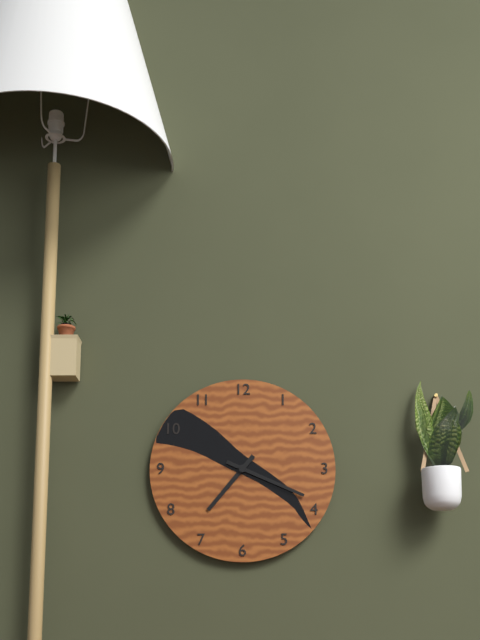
7:19
